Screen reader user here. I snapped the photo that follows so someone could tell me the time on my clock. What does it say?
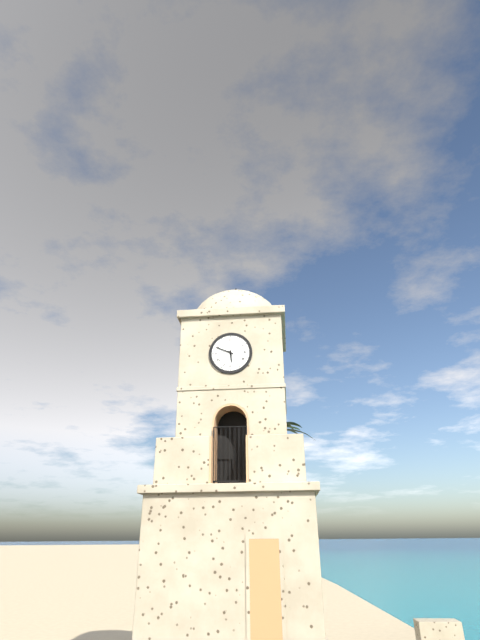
5:49
